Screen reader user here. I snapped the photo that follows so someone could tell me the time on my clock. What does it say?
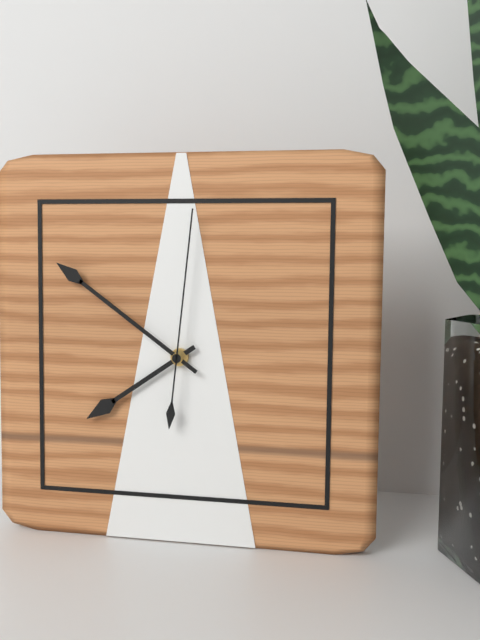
7:51:01
